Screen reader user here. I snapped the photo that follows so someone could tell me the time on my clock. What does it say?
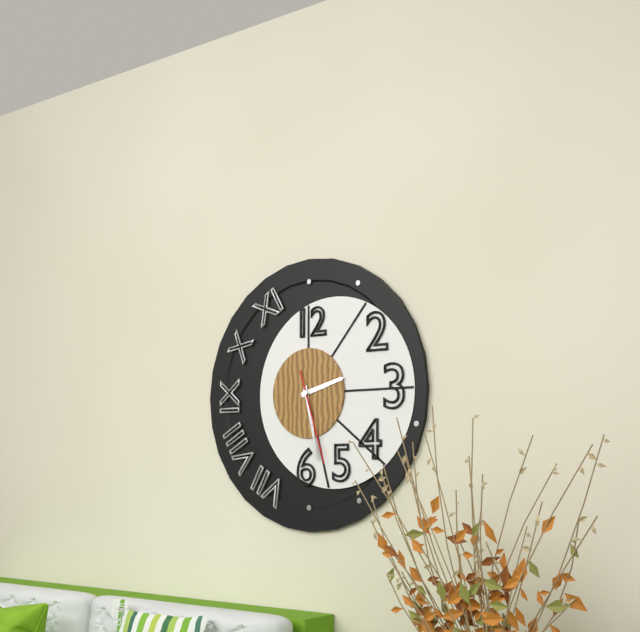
2:28:27
